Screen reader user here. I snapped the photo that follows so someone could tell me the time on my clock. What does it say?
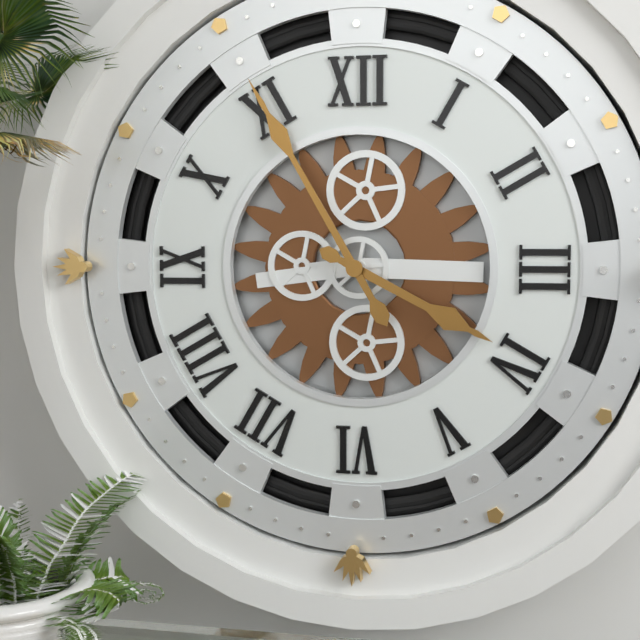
3:55
